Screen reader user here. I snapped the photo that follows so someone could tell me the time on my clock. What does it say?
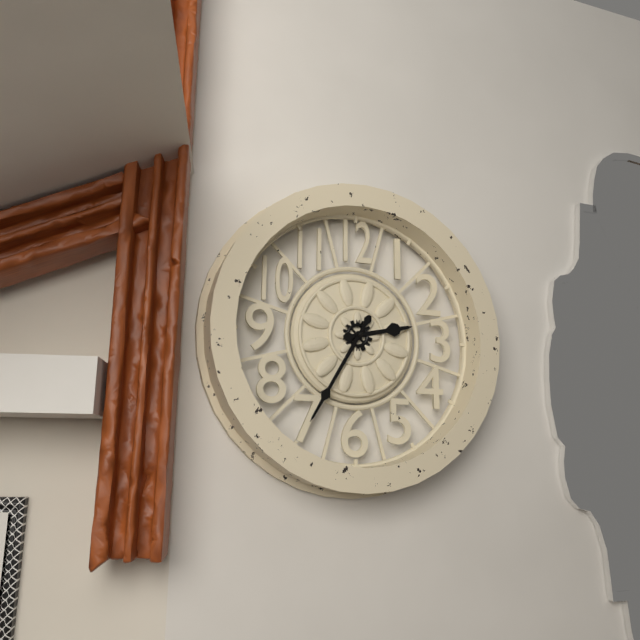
2:35
